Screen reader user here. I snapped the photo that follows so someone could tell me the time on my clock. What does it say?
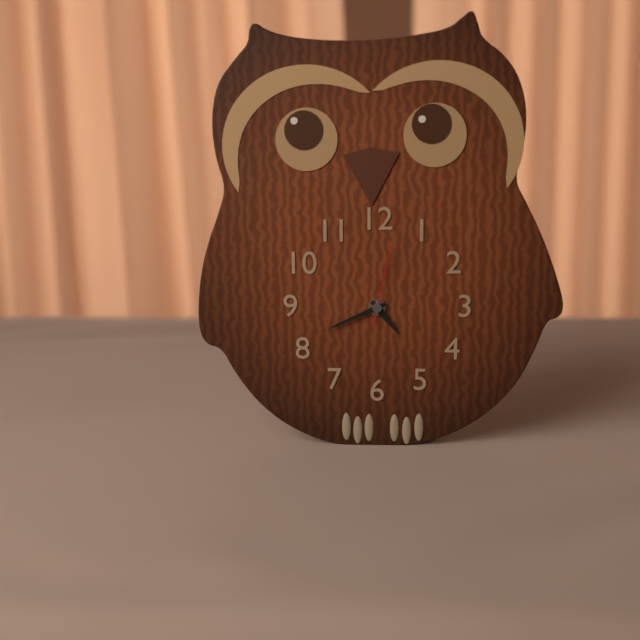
4:41:02
